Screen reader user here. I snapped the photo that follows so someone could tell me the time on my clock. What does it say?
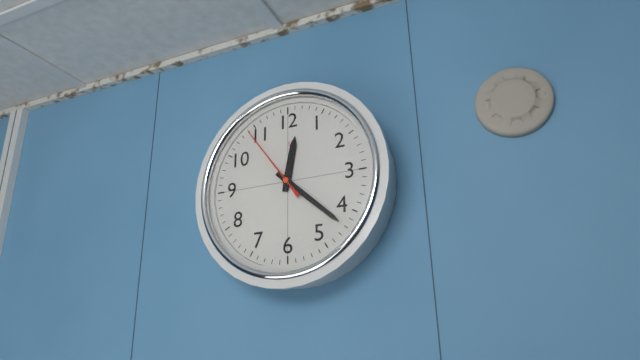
12:22:54
